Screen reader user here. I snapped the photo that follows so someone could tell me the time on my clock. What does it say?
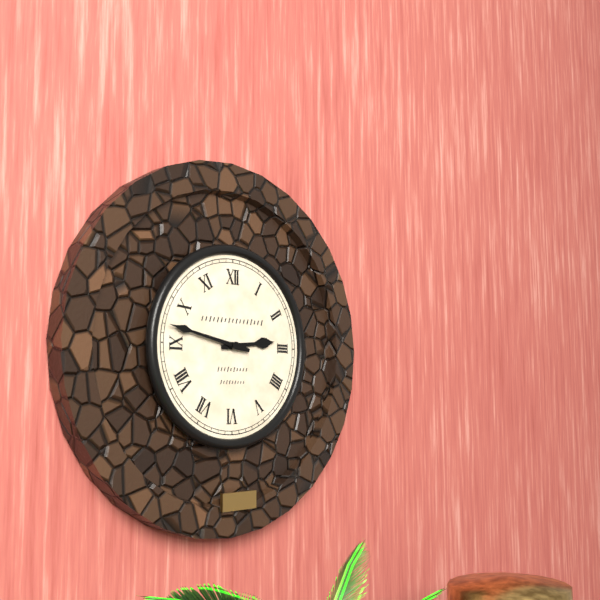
2:47
